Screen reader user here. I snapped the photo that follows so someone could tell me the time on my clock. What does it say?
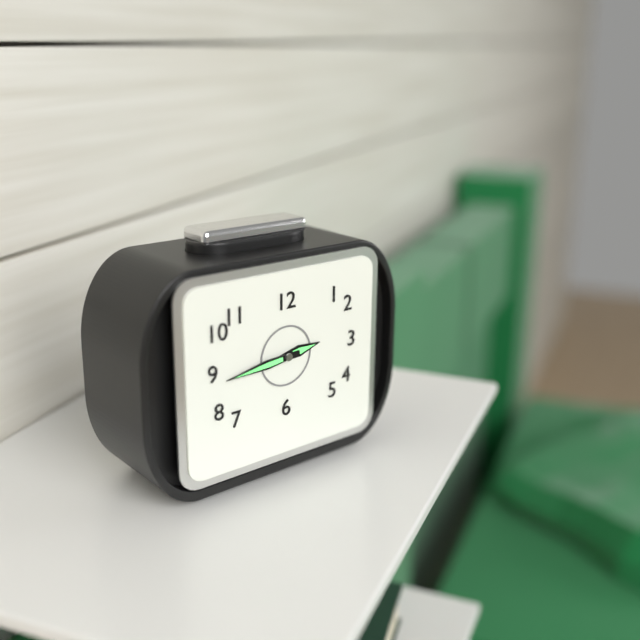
2:44
